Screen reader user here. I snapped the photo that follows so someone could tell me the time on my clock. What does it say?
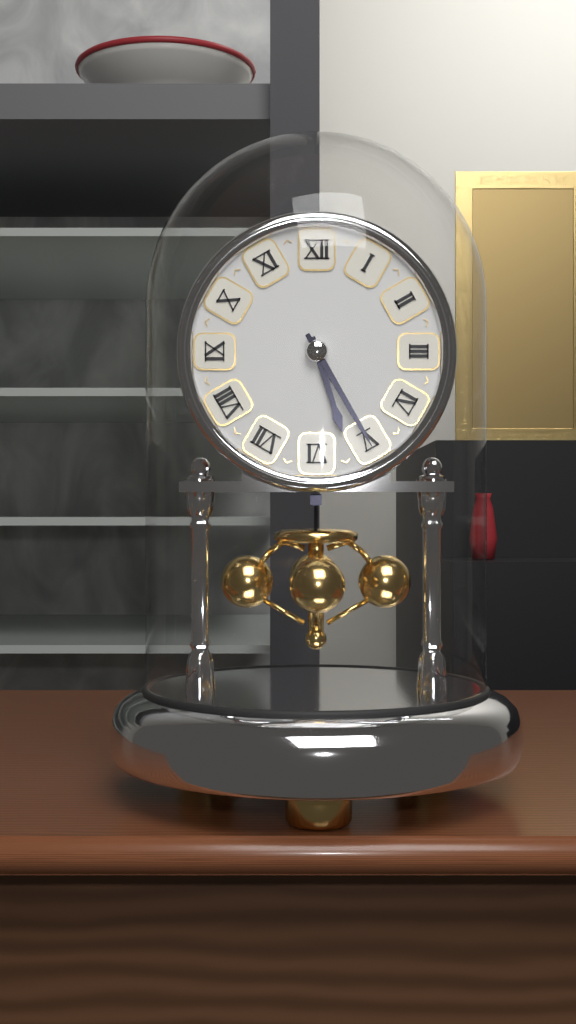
5:25
